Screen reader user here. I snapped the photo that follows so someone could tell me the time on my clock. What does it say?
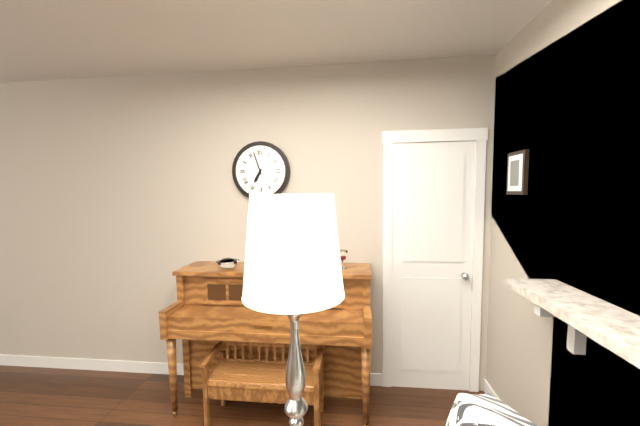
6:57
